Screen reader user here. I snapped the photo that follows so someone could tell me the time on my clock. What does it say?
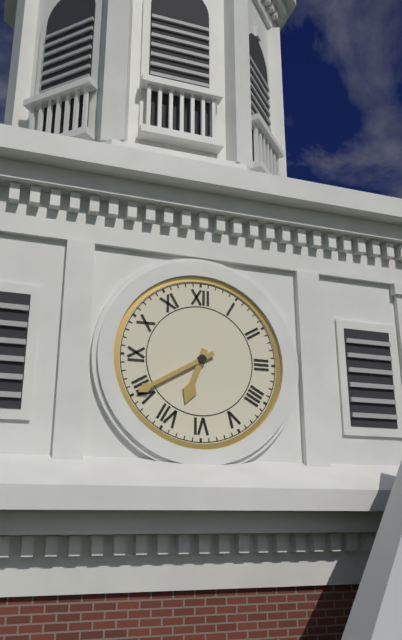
6:40
